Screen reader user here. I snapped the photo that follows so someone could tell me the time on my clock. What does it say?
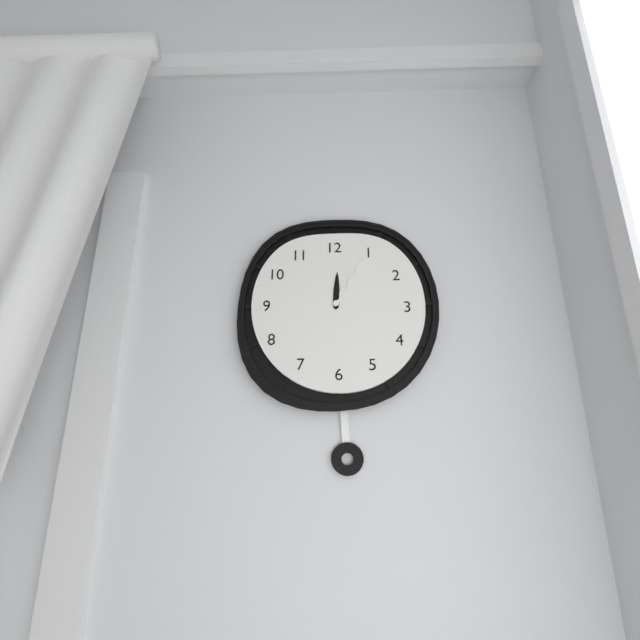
12:05
